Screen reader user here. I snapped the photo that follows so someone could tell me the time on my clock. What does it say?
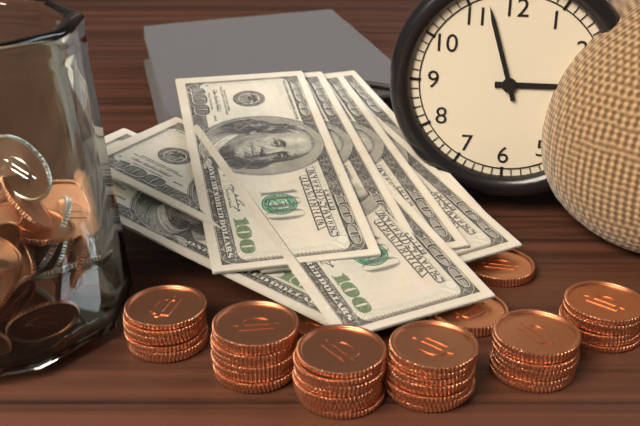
2:57
